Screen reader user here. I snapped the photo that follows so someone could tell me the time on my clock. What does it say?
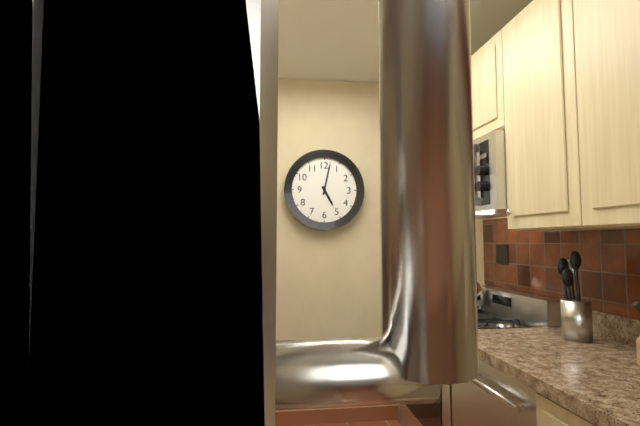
5:02
